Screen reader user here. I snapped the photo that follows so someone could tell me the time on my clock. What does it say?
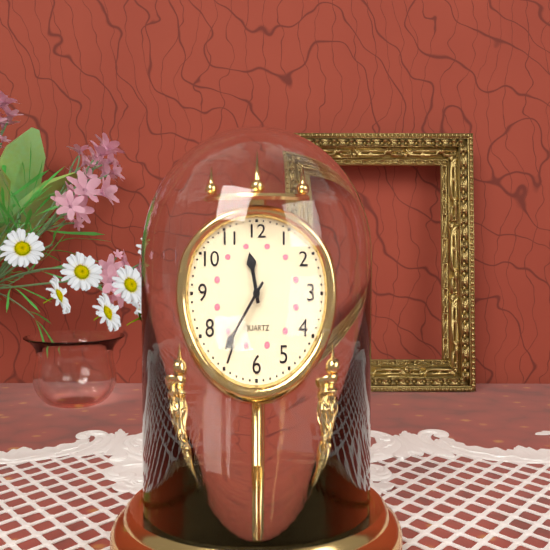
11:36
